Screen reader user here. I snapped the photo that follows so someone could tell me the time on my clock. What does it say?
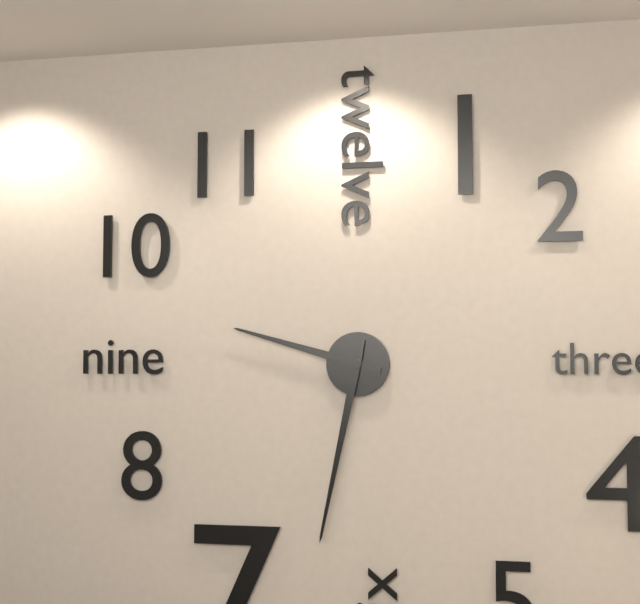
9:32
